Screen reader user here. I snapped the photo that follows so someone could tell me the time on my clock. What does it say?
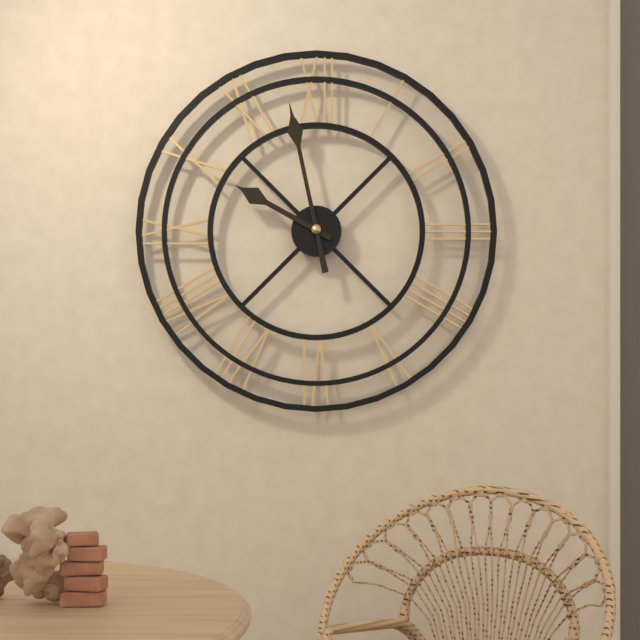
9:58
